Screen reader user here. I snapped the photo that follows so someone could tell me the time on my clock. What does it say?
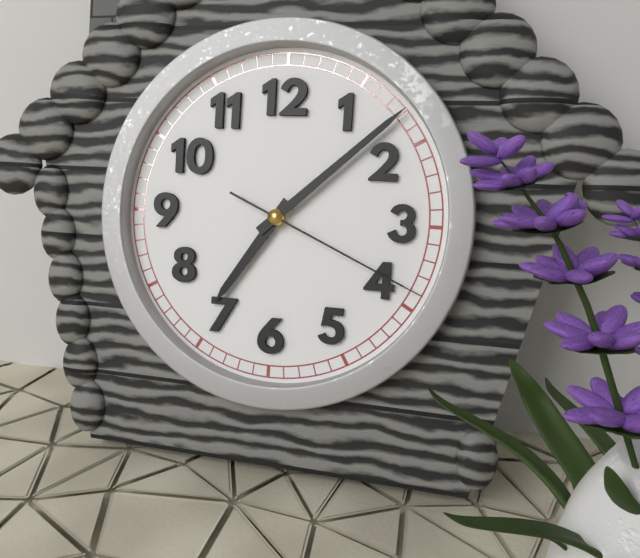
7:08:19
